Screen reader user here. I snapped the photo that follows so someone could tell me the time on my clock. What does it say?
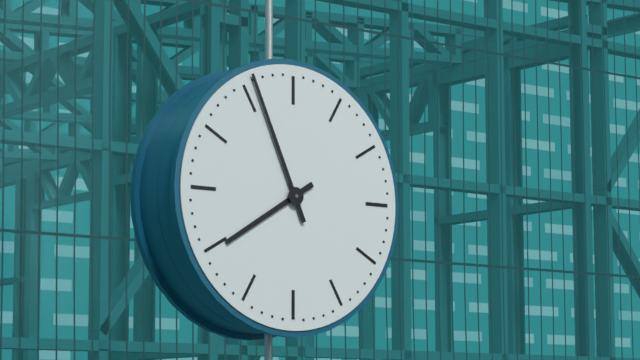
7:56
